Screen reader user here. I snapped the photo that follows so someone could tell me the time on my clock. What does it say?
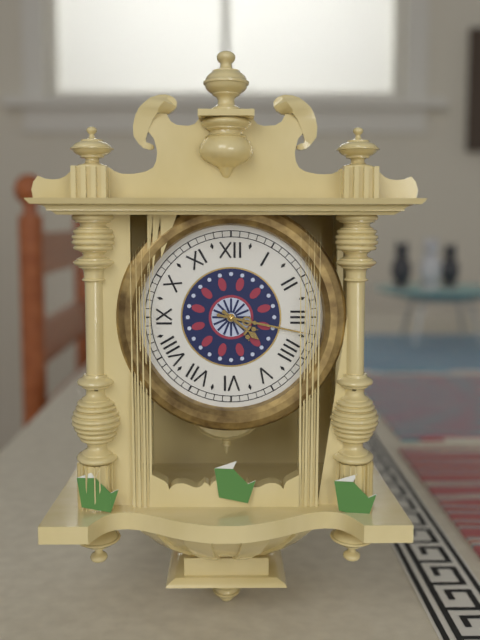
4:17
